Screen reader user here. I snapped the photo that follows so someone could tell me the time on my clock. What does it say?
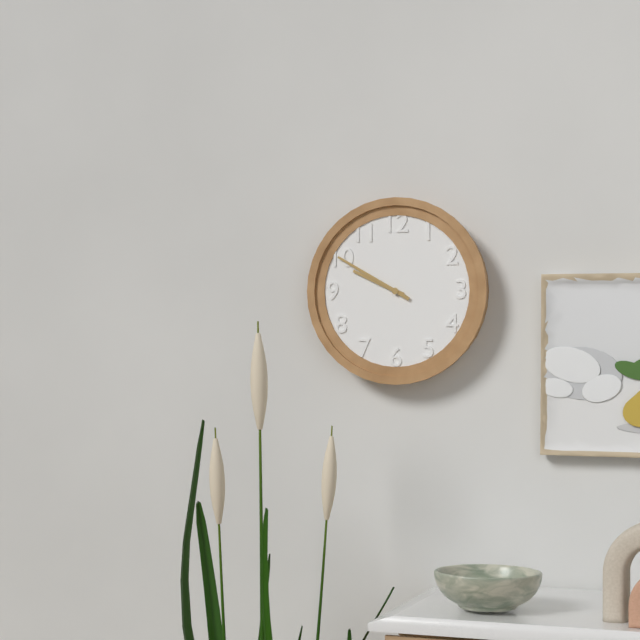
9:50
